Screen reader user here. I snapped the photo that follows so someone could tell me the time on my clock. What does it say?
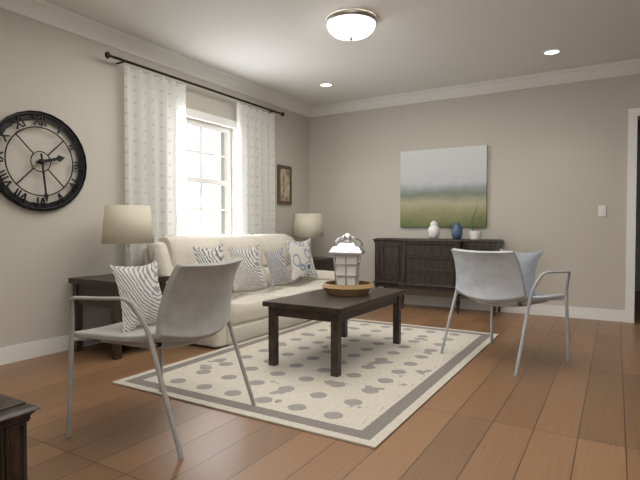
2:29
